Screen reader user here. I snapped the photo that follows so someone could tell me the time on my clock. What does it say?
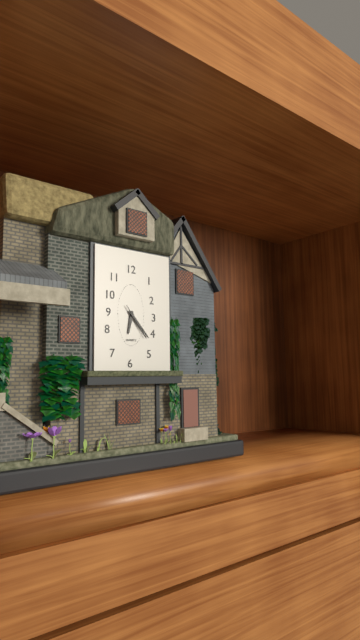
6:23
